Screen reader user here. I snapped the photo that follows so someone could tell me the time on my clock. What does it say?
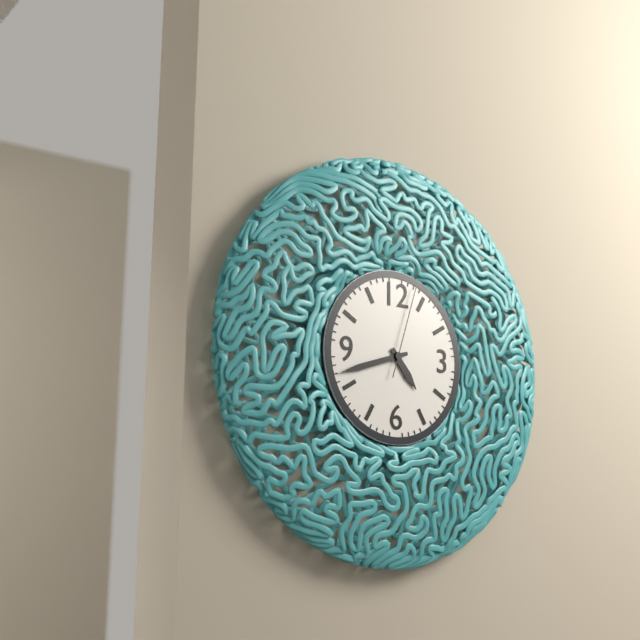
4:42:03
